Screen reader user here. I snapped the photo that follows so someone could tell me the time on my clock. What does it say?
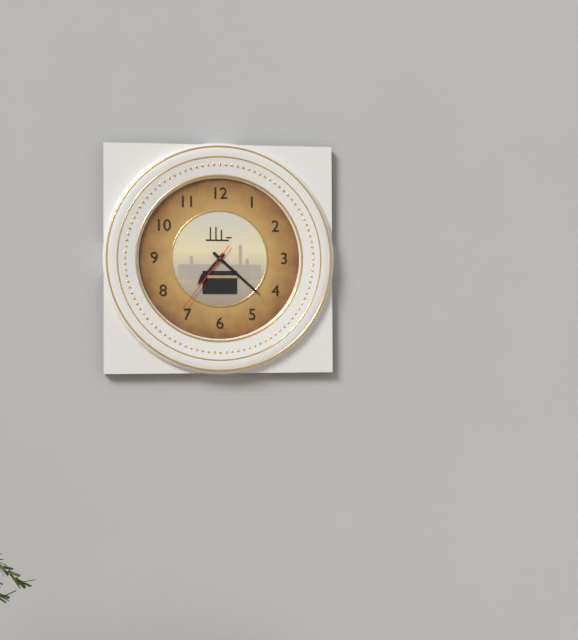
7:22:36
